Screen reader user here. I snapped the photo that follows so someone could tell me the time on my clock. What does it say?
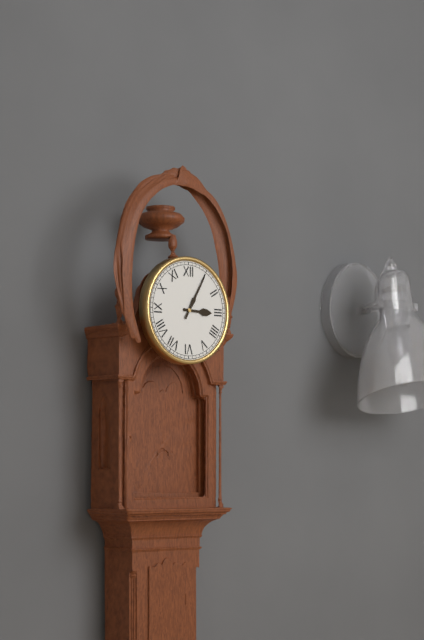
3:05
